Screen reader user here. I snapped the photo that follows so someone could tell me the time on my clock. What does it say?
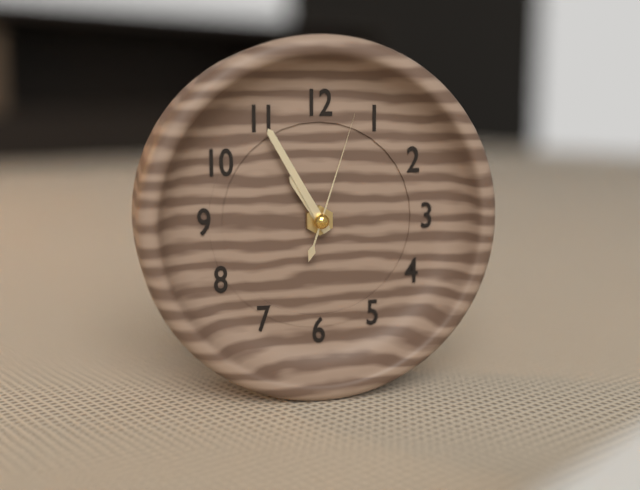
10:55:03
